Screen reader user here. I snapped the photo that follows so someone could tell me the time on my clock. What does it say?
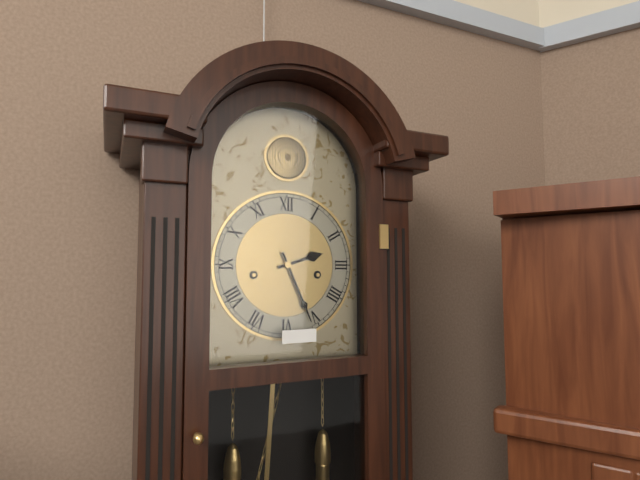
2:26
